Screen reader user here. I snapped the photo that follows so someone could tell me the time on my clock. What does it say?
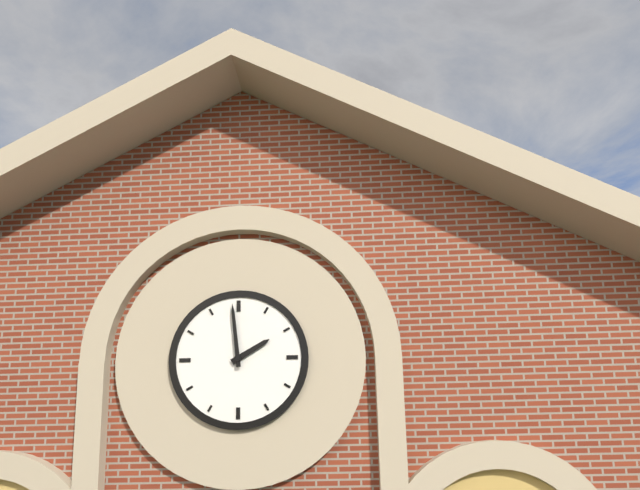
1:59
